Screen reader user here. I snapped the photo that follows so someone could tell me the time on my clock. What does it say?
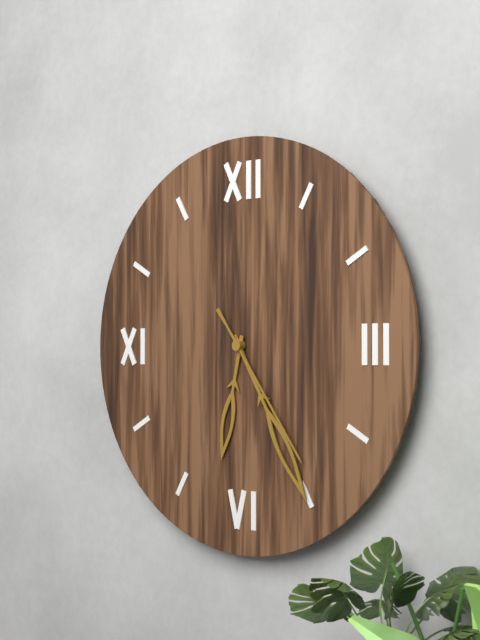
6:25:24
